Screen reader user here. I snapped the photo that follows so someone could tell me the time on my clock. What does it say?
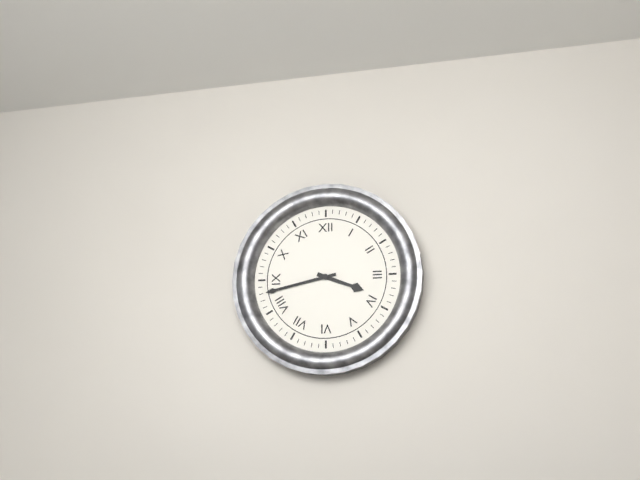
3:43
